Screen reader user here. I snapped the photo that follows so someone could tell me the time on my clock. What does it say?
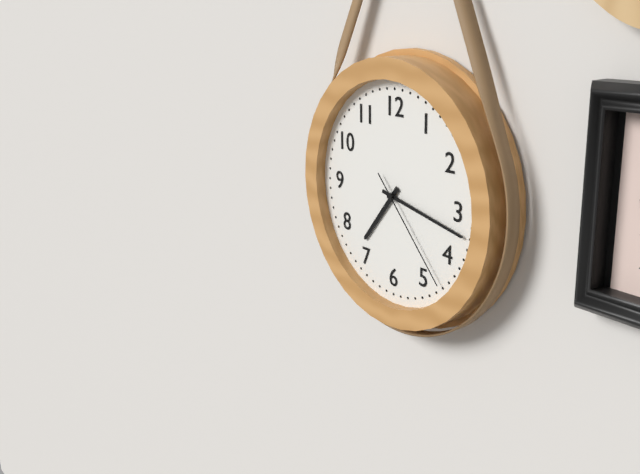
7:17:23
